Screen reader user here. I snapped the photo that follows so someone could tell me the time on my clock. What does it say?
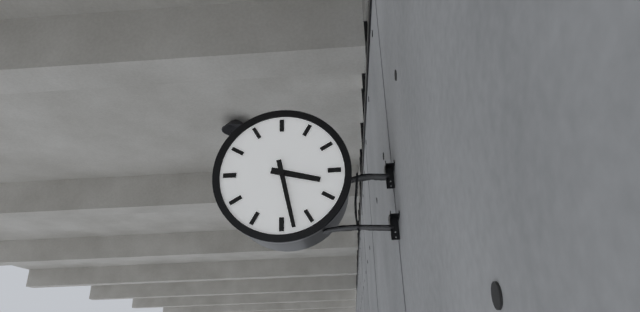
3:28
